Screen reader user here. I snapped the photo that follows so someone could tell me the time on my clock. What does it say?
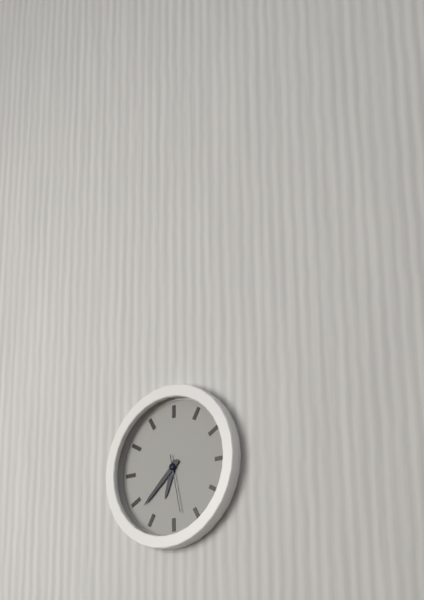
6:38:28
